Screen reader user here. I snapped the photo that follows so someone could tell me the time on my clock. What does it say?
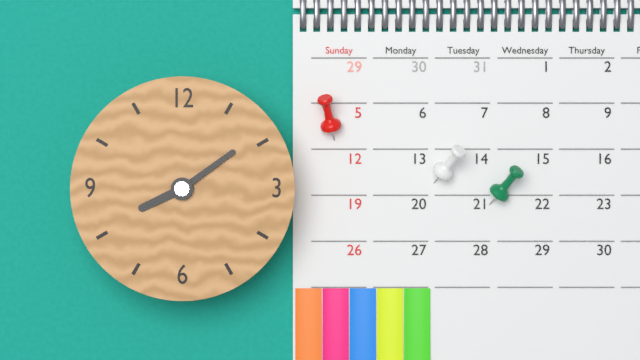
8:09
